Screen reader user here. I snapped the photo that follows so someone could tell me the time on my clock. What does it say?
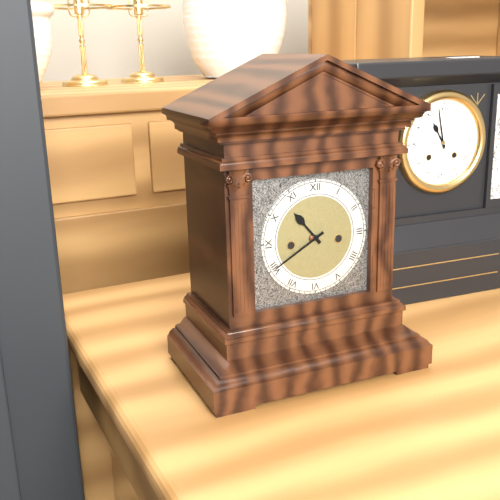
10:40
